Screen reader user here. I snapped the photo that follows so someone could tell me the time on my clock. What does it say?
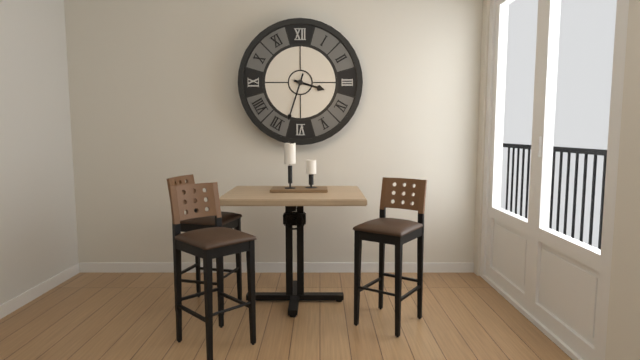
3:33
